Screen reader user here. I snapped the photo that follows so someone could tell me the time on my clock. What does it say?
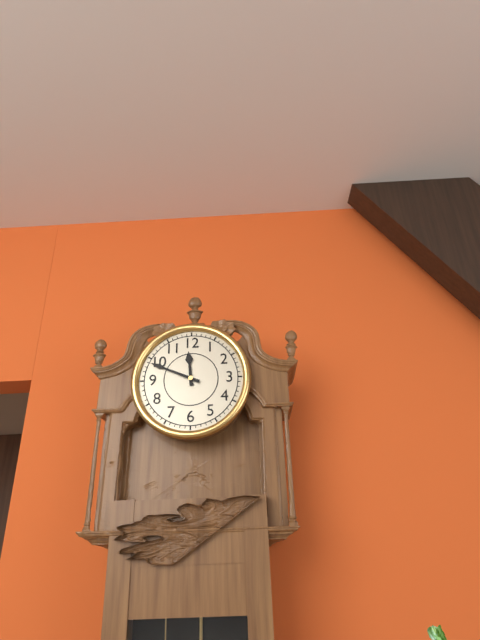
11:49
